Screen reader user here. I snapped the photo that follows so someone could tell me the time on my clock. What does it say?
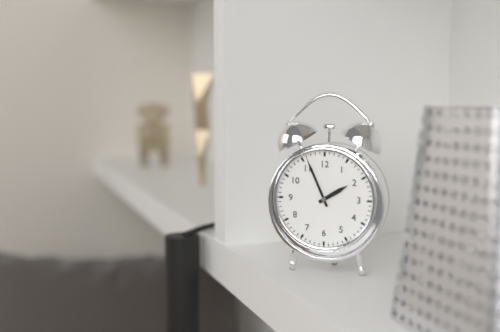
1:56
